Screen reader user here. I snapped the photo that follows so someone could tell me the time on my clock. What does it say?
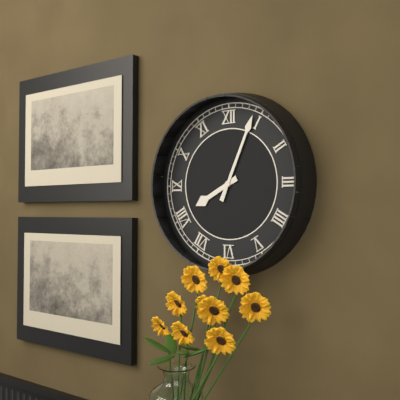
8:04
